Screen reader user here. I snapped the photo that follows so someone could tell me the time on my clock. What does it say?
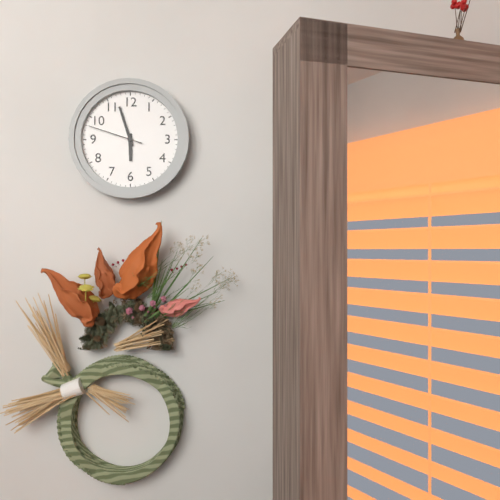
5:57:48
